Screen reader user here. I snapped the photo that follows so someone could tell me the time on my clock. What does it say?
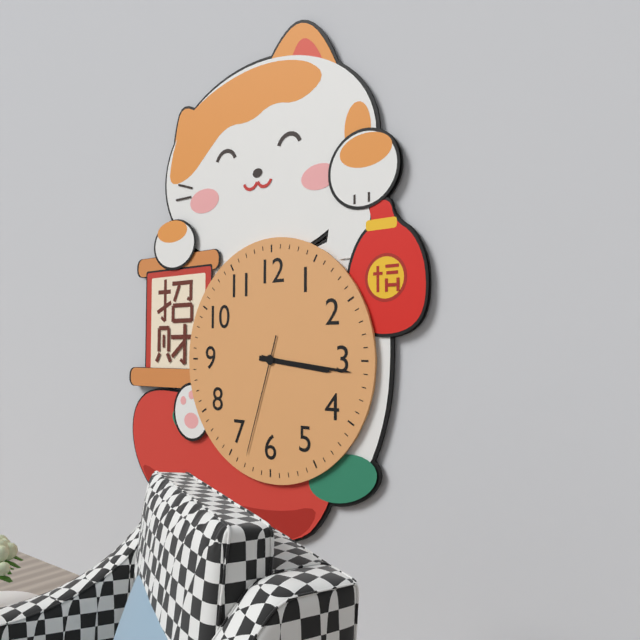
3:16:33
